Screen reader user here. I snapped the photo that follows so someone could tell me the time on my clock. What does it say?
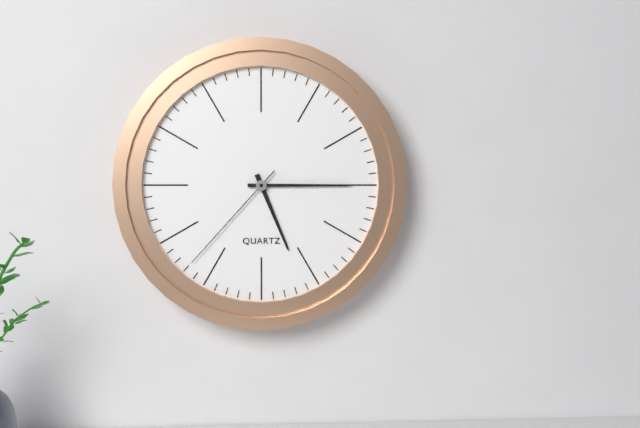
5:15:37
